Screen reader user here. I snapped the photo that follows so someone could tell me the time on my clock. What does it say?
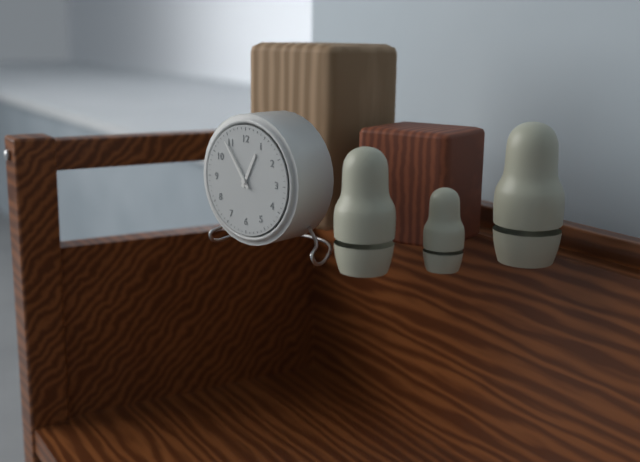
12:54
